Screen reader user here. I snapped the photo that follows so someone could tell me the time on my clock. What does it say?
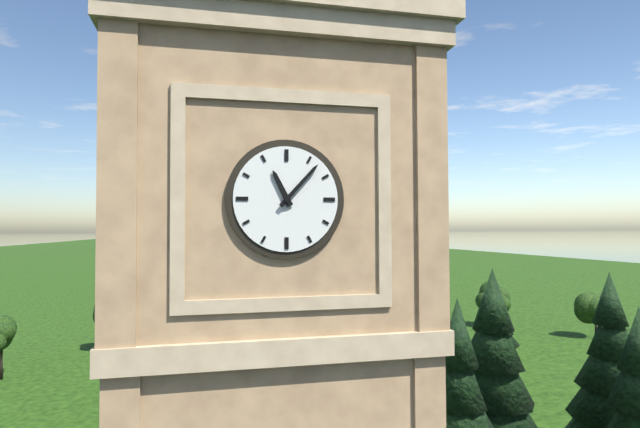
11:07
